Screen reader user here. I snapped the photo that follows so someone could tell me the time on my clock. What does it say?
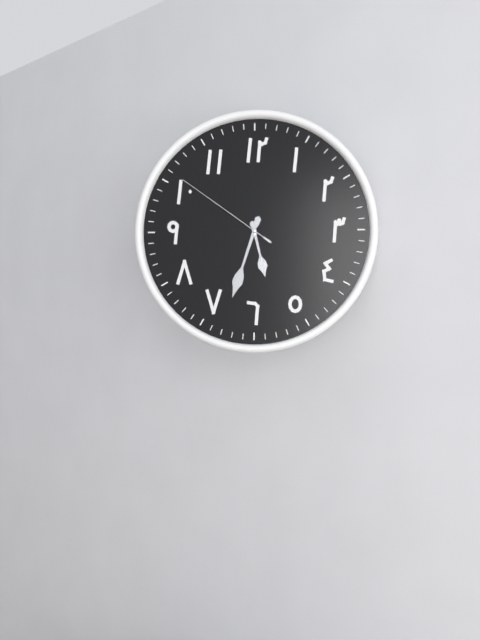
5:33:51
